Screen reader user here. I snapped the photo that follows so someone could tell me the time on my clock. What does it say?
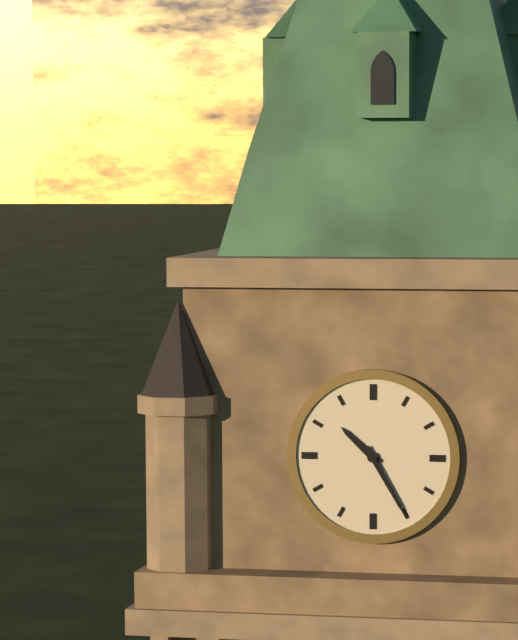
10:25
